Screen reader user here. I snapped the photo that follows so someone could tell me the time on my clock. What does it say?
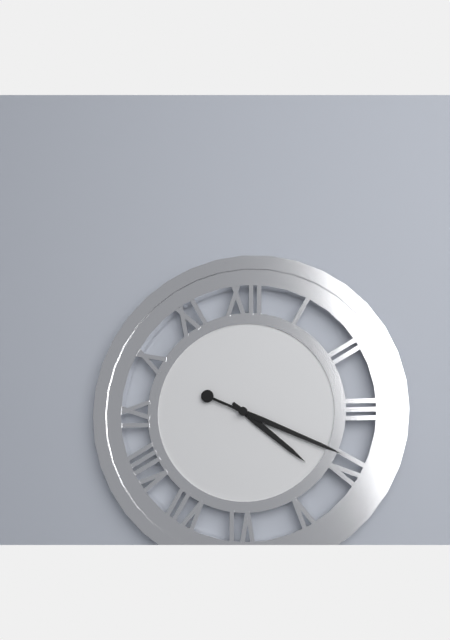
4:19
